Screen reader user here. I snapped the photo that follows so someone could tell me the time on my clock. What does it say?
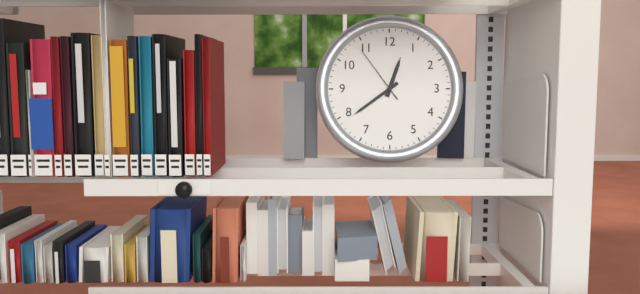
12:39:54
